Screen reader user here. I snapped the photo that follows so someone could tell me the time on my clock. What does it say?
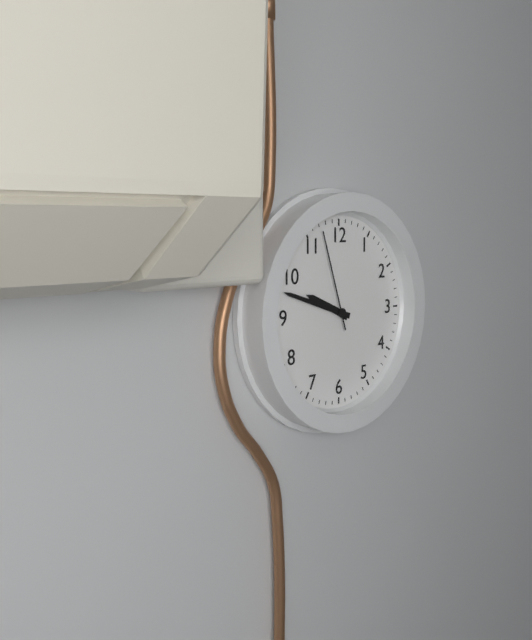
9:48:57
